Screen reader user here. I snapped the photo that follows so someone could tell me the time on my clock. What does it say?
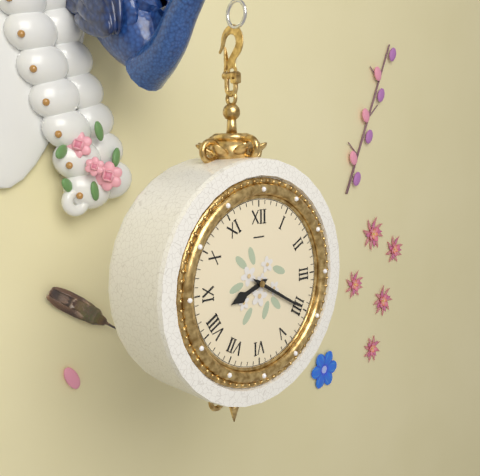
8:20
